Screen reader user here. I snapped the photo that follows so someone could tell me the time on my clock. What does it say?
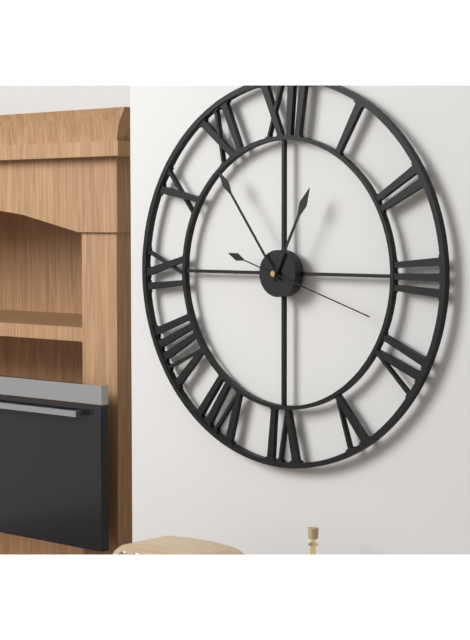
12:54:18
